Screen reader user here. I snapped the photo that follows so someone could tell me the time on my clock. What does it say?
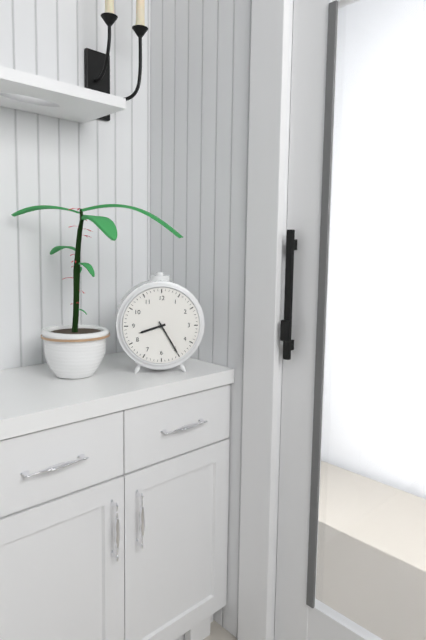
8:25
